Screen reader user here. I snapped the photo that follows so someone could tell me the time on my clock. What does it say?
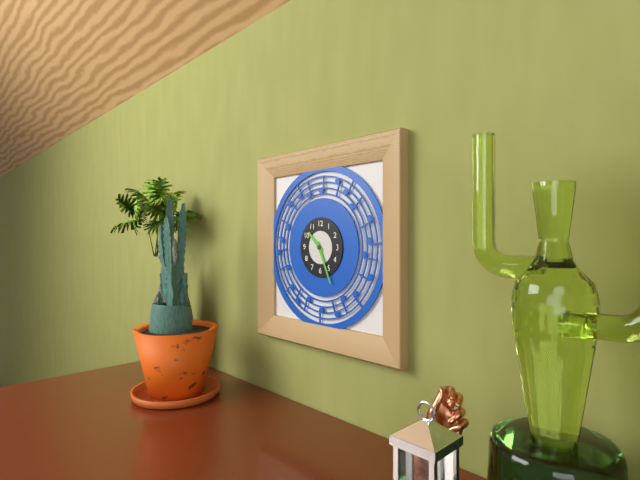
10:26
